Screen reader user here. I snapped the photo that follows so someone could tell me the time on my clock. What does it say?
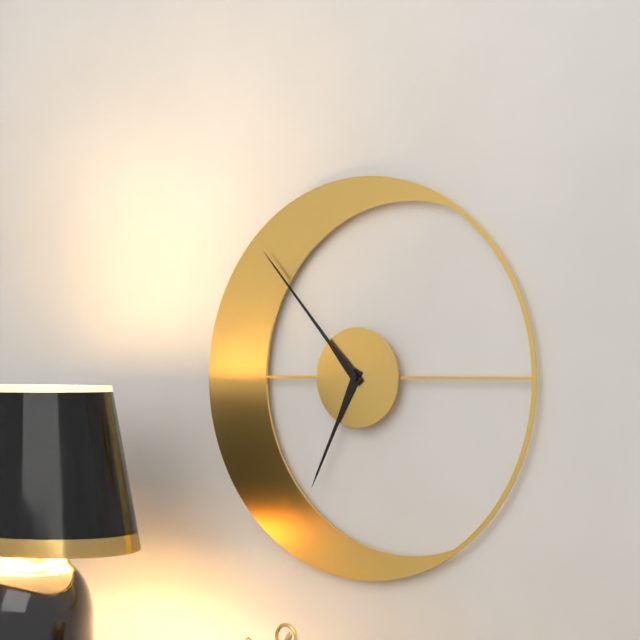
6:53
